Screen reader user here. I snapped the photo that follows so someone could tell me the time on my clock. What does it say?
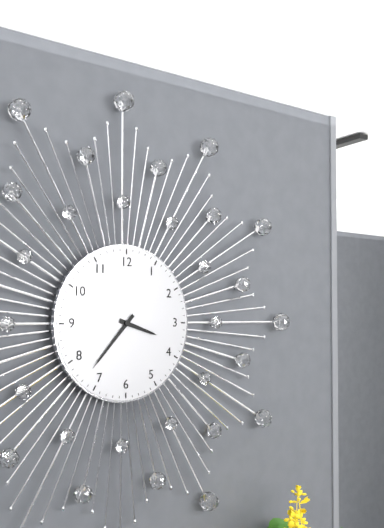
3:37
